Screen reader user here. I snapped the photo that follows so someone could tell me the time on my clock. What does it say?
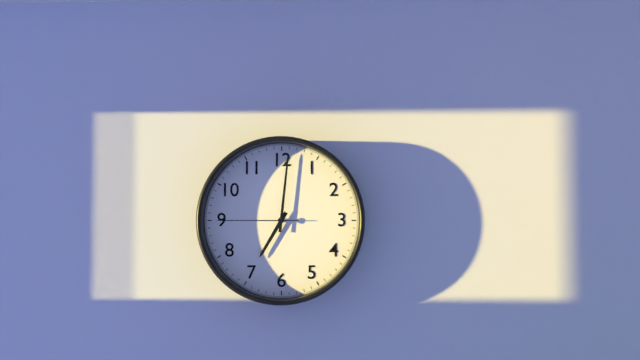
7:01:45
